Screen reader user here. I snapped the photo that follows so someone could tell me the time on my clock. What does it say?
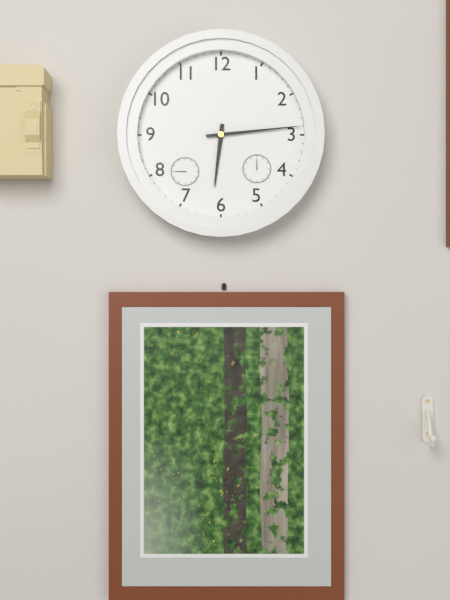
6:14
